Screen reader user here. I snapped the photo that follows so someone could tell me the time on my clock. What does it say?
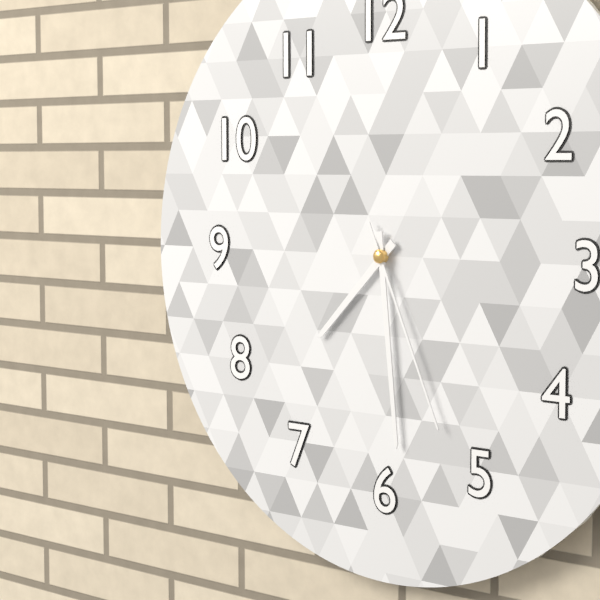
7:29:26
